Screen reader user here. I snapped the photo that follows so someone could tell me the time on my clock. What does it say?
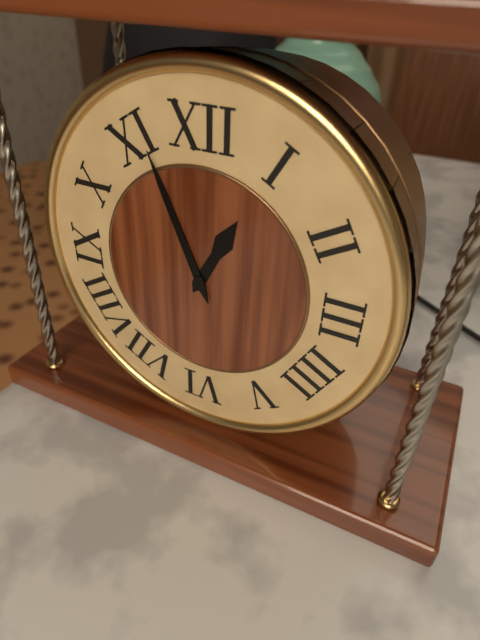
12:56
